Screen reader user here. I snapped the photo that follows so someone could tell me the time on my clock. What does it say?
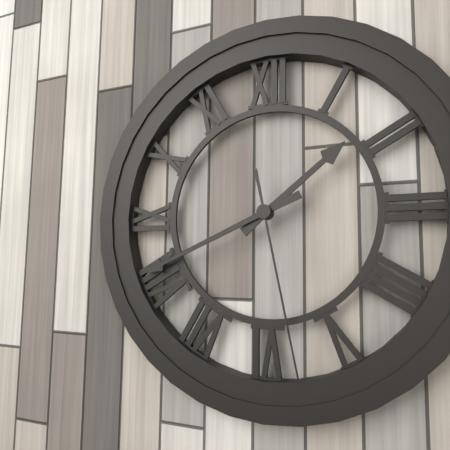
1:41:28
